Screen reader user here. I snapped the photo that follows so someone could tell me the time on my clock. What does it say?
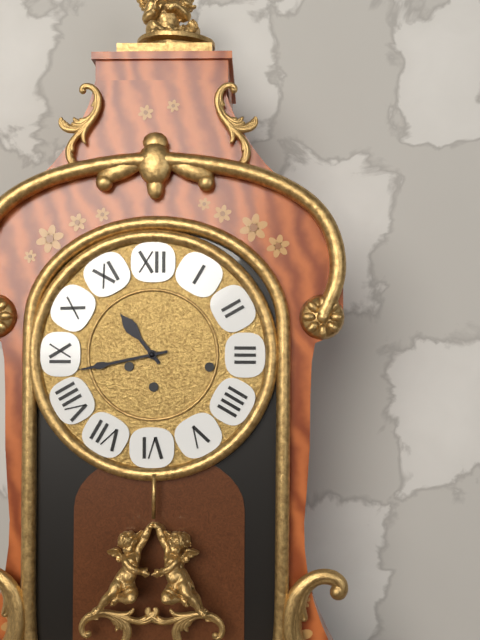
10:43
